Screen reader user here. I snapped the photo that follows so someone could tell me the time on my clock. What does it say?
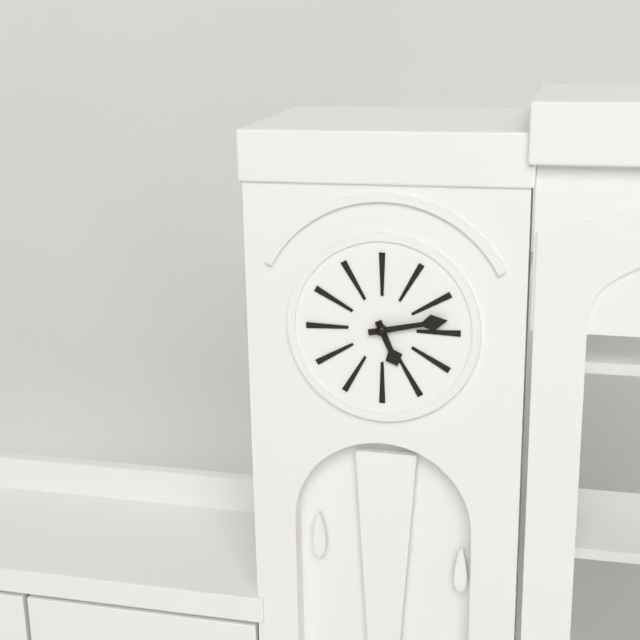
5:13
